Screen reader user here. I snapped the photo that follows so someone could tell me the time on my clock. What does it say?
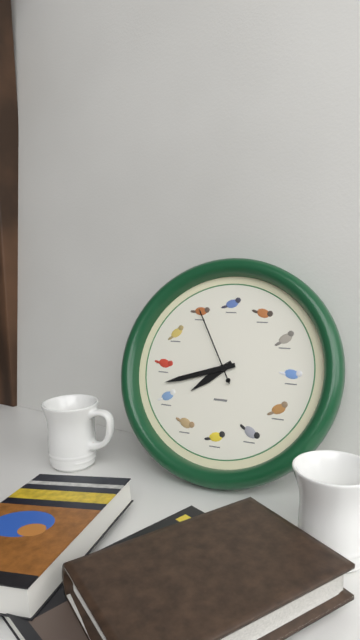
7:42:55
